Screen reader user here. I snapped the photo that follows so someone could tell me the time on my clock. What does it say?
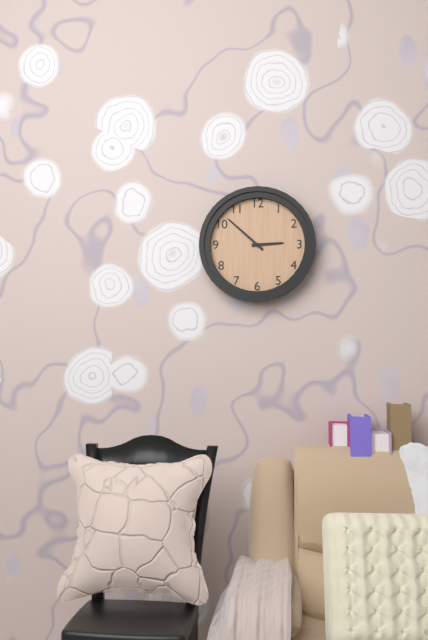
2:52
